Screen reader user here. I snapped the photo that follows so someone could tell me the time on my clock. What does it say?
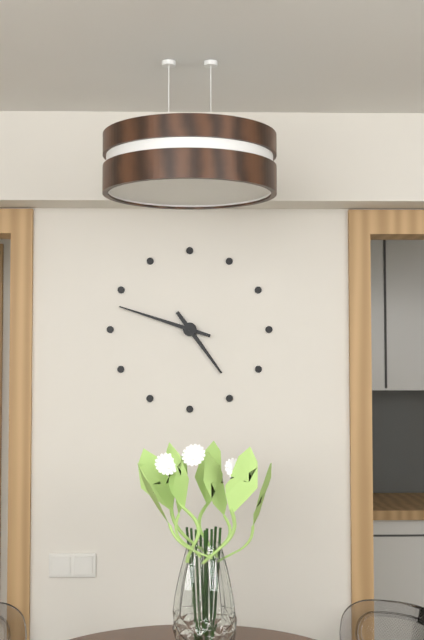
4:48
